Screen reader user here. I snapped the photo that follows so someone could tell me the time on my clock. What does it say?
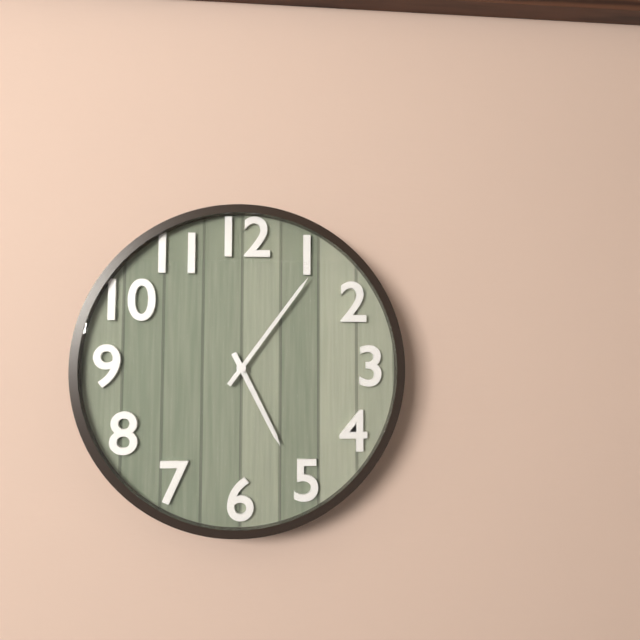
5:06
